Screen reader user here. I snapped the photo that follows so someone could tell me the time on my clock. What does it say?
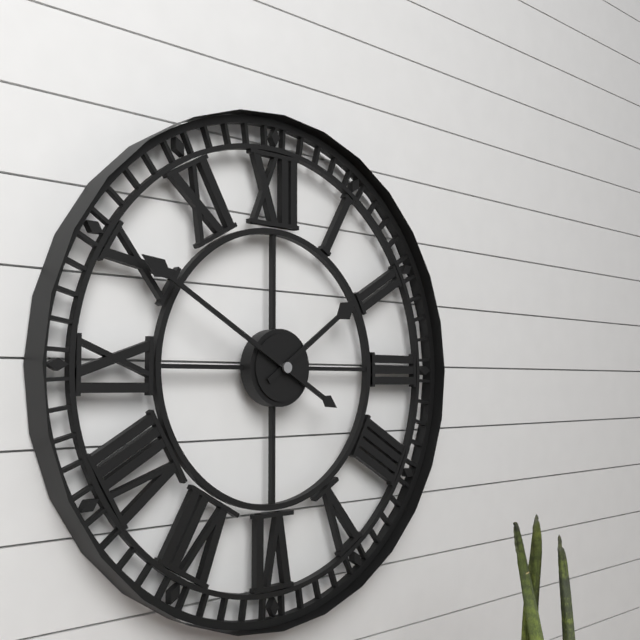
1:50
